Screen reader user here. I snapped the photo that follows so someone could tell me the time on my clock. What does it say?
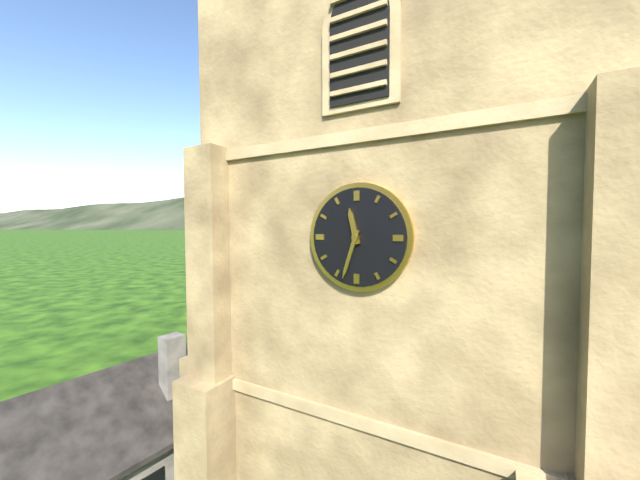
11:33
